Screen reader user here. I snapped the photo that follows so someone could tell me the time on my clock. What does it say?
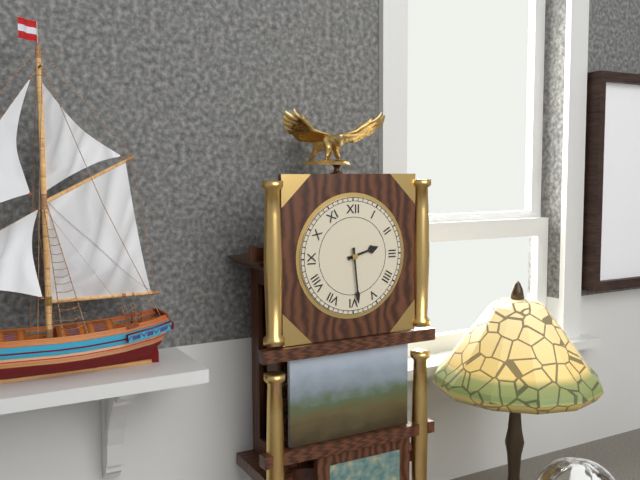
2:29
